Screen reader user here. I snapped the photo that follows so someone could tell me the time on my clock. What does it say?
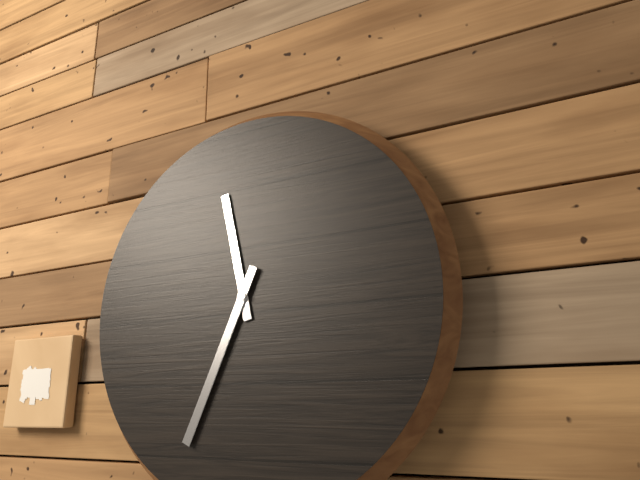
11:34
